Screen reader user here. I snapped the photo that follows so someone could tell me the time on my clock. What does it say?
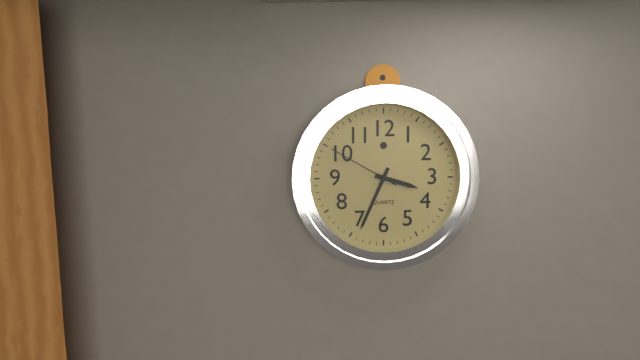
3:34:50
